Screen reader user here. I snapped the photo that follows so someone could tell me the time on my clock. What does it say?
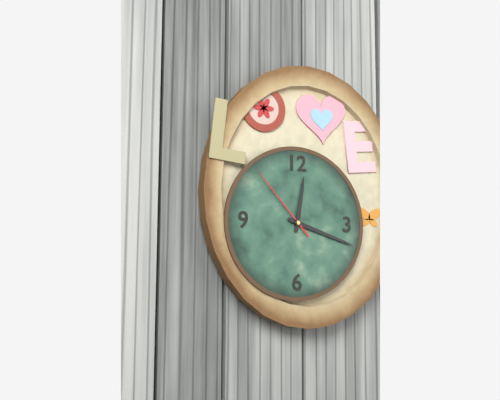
12:18:53
